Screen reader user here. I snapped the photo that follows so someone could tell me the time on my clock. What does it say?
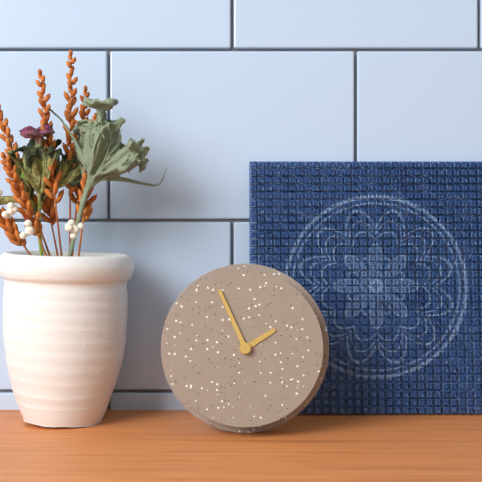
1:56
